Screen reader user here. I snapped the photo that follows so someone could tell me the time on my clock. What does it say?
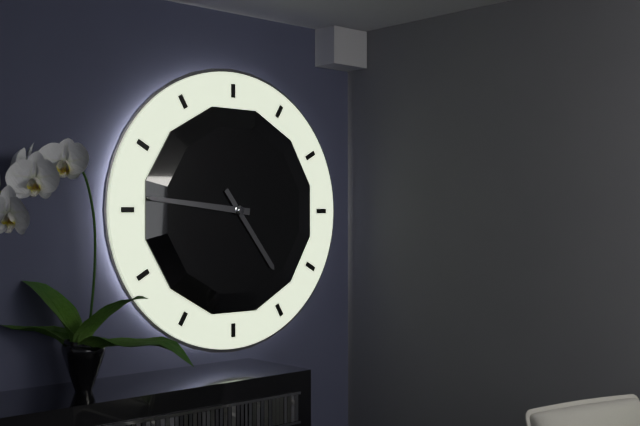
4:46
